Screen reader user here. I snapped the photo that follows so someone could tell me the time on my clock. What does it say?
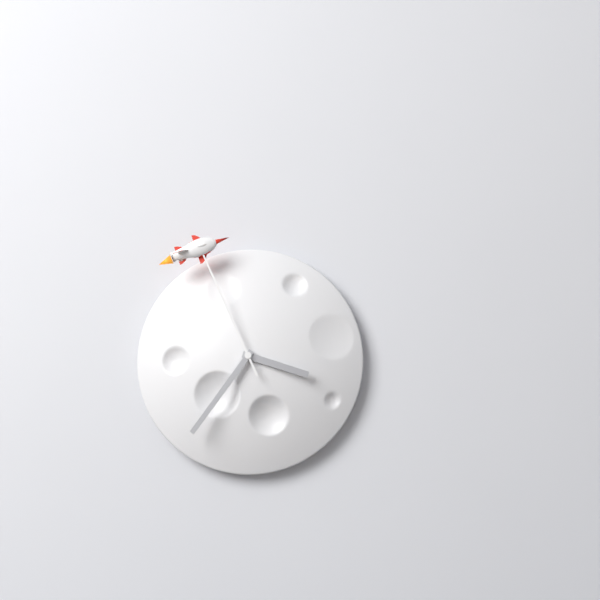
3:36:56
